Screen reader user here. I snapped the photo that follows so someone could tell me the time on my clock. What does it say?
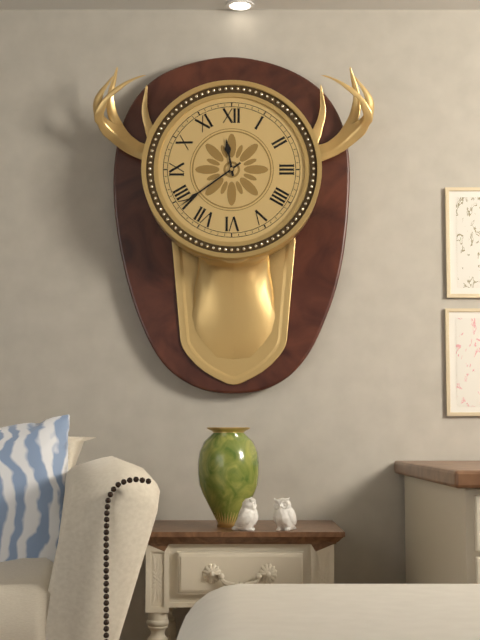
11:39
